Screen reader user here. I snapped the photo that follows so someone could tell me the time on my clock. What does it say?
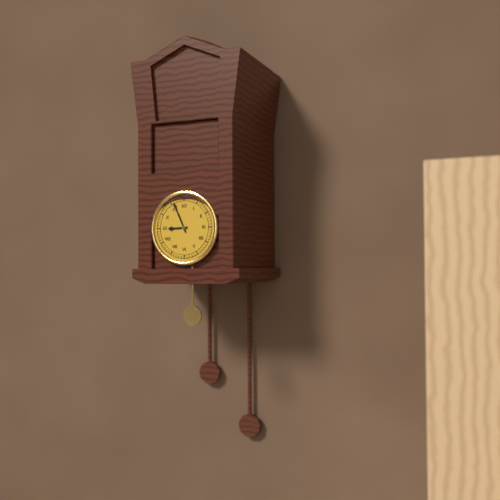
8:56
